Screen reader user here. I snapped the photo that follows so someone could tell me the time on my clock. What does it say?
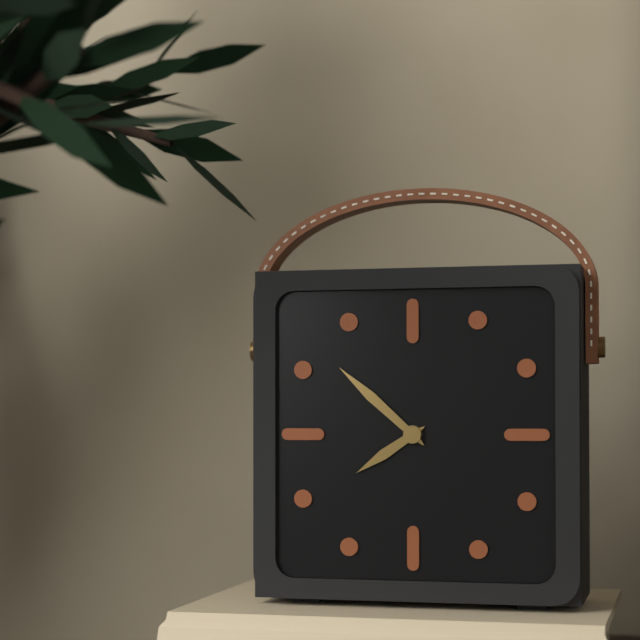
7:52
